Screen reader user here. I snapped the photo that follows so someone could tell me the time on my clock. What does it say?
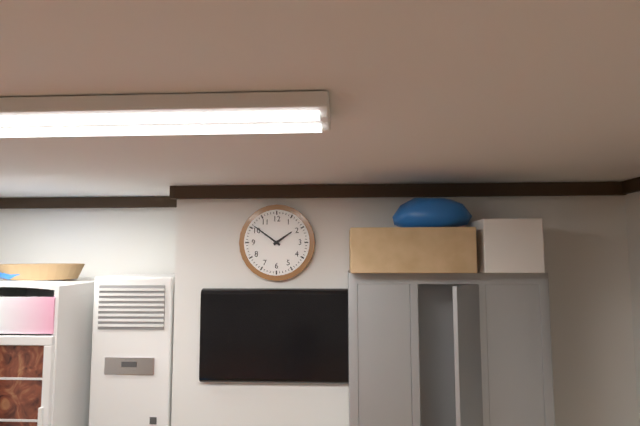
1:51
